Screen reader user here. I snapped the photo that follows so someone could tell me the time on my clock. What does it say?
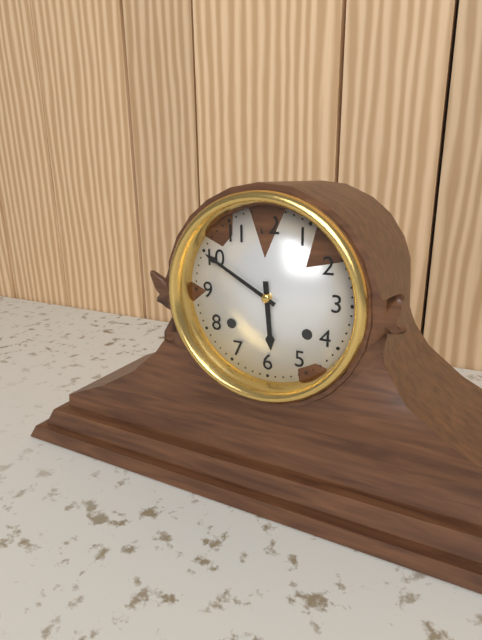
5:50
